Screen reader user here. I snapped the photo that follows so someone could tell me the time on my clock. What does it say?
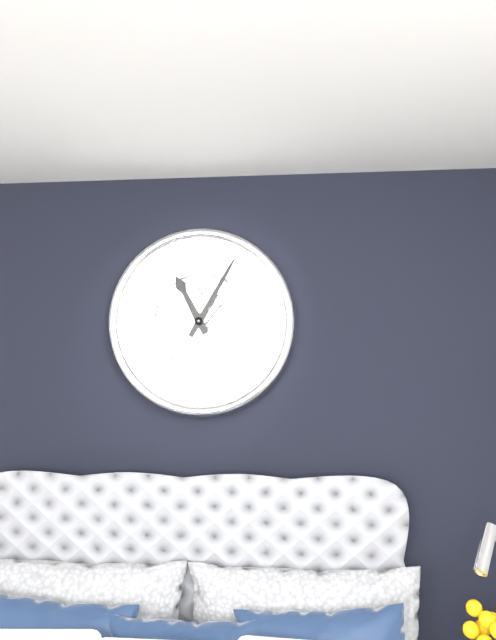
11:05
